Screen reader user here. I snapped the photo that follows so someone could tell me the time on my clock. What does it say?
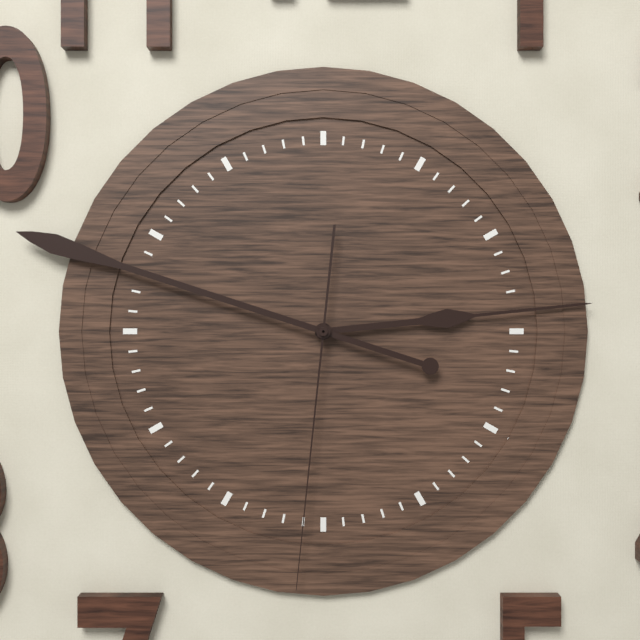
2:48:31
